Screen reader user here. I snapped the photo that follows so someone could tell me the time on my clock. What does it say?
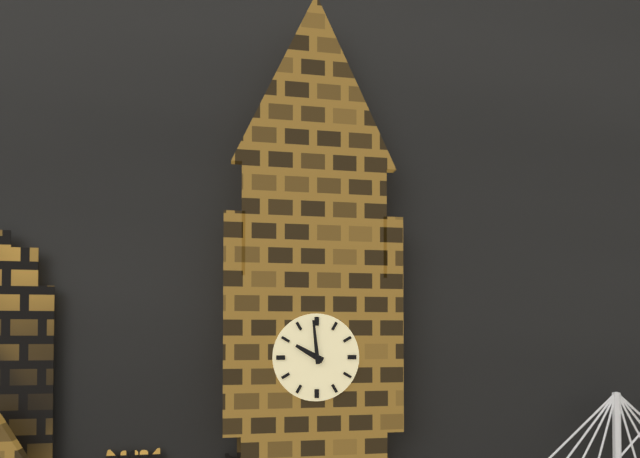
9:59
